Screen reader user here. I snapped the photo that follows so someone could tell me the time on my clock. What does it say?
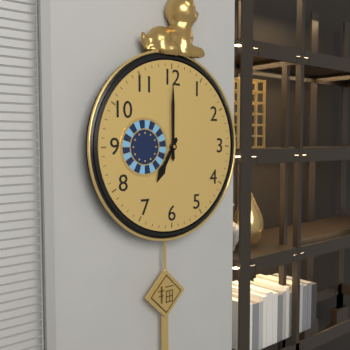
7:00
